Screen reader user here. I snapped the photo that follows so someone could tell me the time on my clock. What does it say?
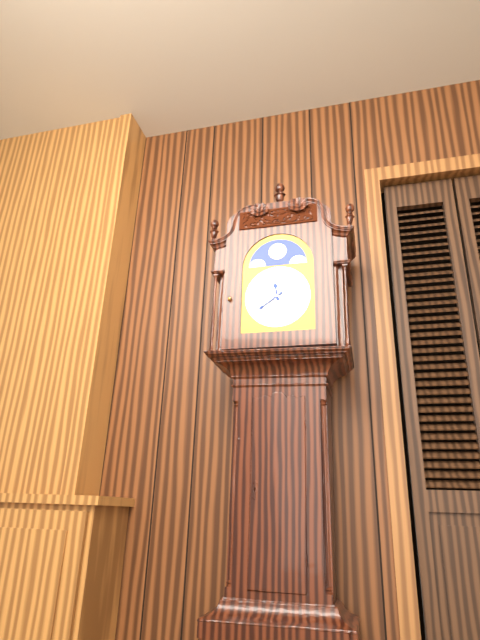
11:39
